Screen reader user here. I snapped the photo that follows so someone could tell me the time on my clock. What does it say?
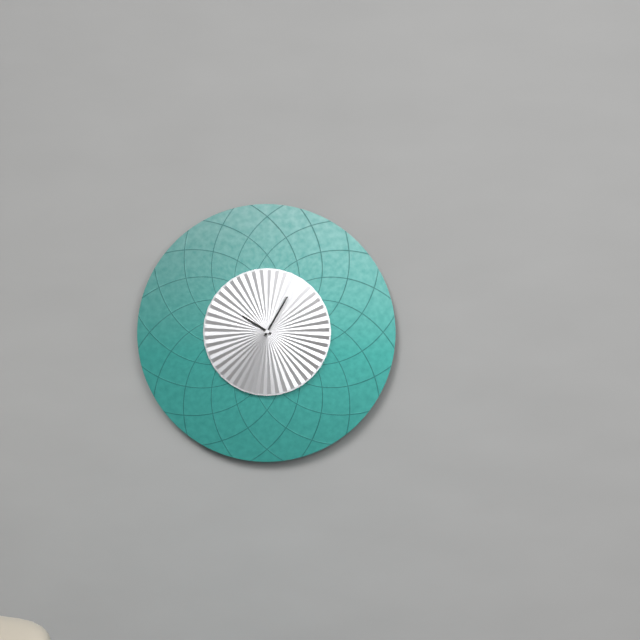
10:05
